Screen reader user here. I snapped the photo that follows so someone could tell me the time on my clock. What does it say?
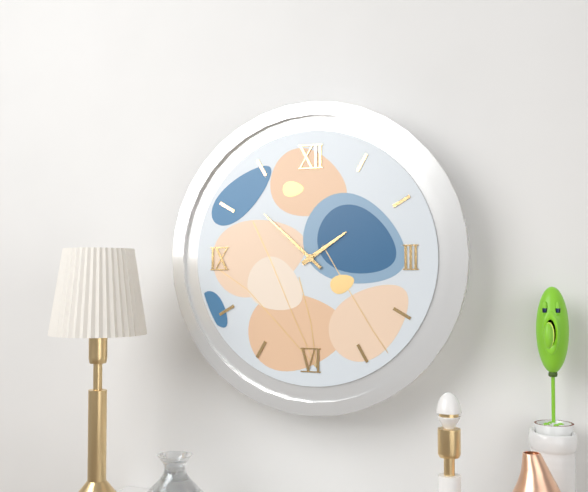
1:52
